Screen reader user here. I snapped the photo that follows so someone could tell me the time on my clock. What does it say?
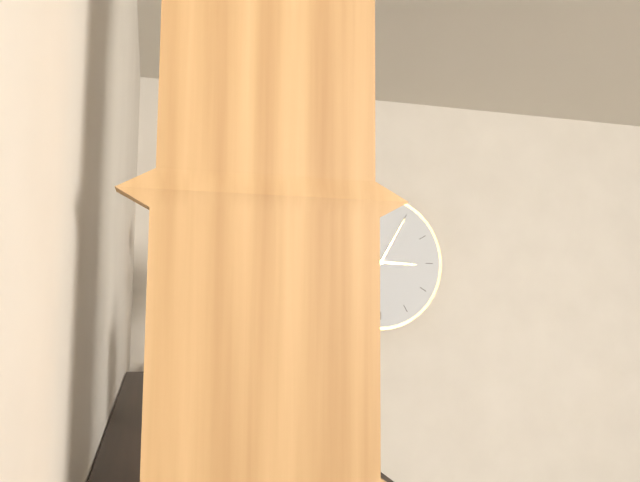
3:05
